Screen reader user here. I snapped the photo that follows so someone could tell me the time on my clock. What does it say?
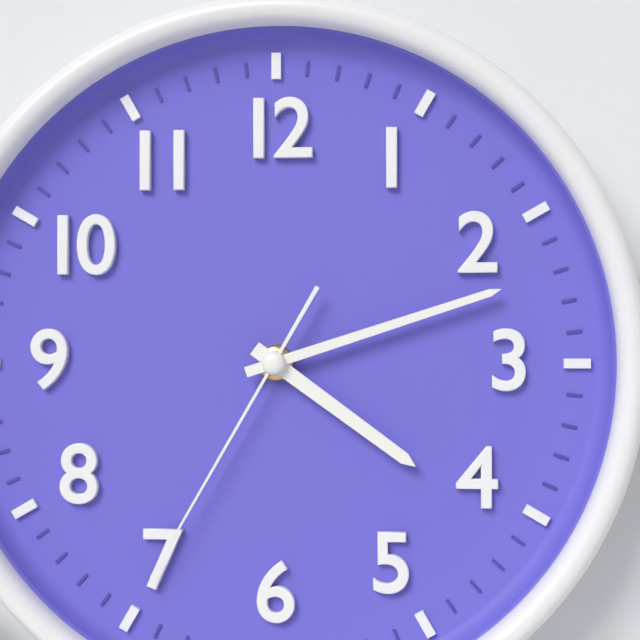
4:12:35
